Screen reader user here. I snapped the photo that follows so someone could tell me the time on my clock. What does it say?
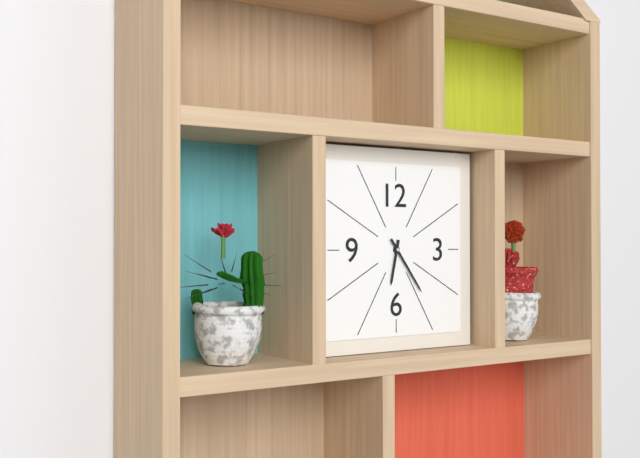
6:24
